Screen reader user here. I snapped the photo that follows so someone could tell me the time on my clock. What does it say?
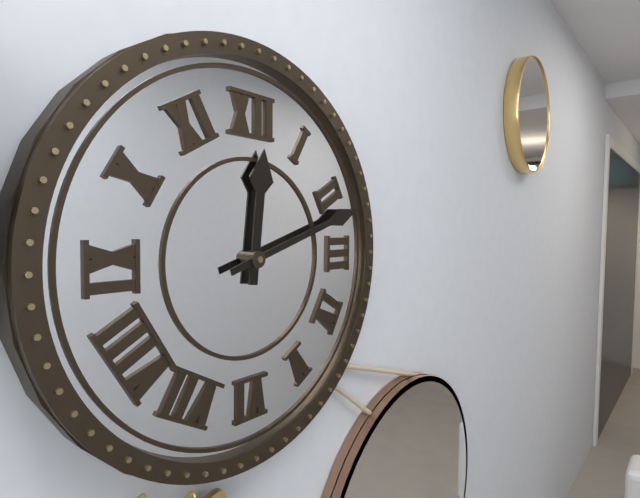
12:12
